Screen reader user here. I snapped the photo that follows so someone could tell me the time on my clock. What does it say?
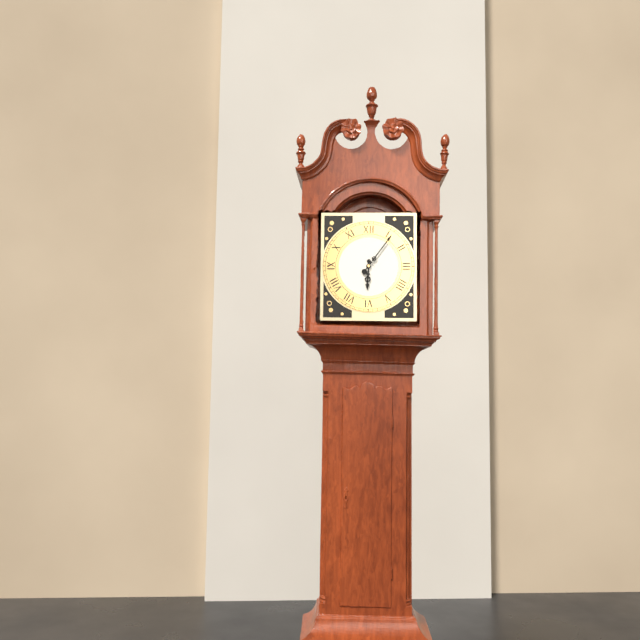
6:06
